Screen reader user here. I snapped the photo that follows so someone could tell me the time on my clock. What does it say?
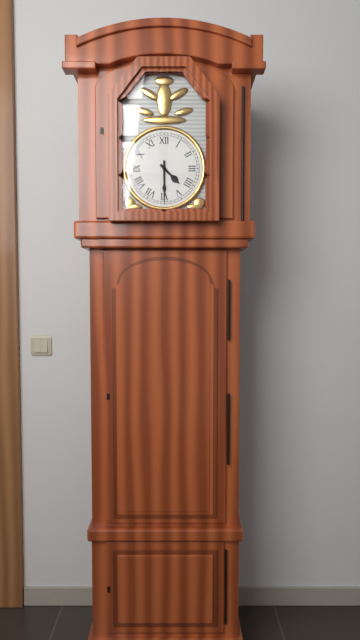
4:30
